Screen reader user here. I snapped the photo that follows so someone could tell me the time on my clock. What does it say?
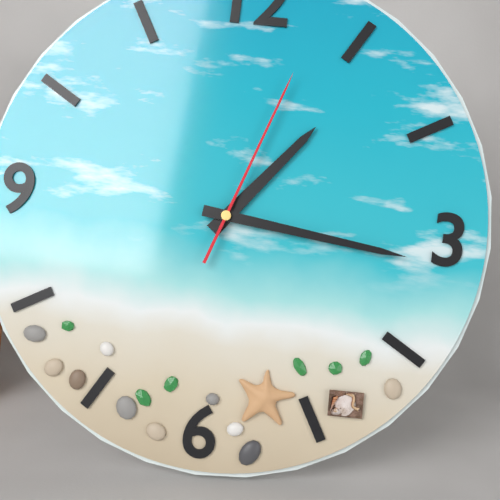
1:16:03
